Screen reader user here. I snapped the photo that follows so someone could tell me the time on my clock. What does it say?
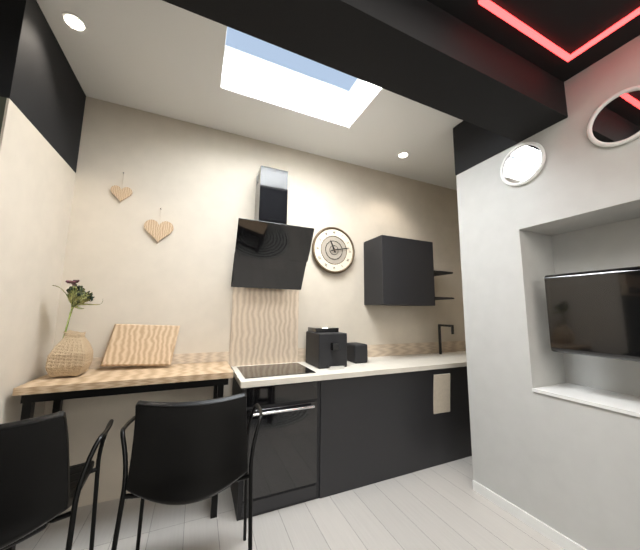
11:13
